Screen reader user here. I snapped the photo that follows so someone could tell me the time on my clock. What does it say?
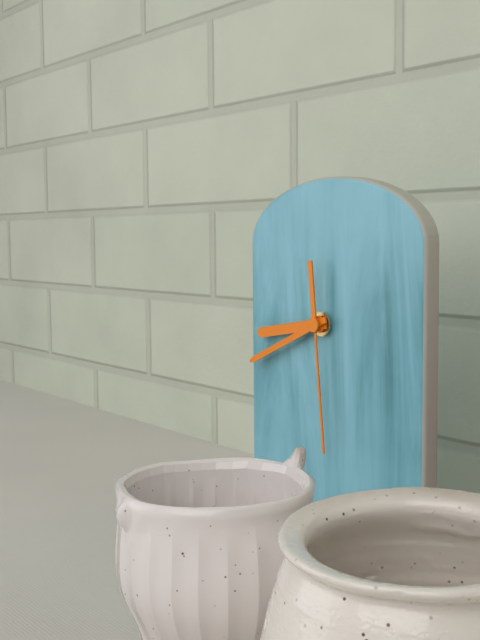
8:41:29
